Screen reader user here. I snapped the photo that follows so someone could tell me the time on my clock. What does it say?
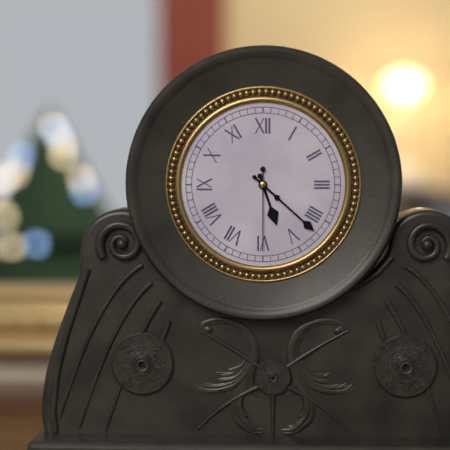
5:22:30
